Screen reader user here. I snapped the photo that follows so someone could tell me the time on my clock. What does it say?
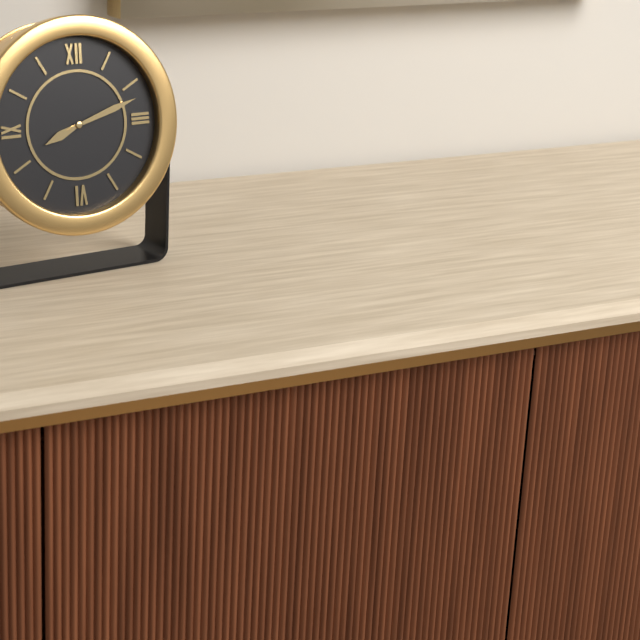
8:12
